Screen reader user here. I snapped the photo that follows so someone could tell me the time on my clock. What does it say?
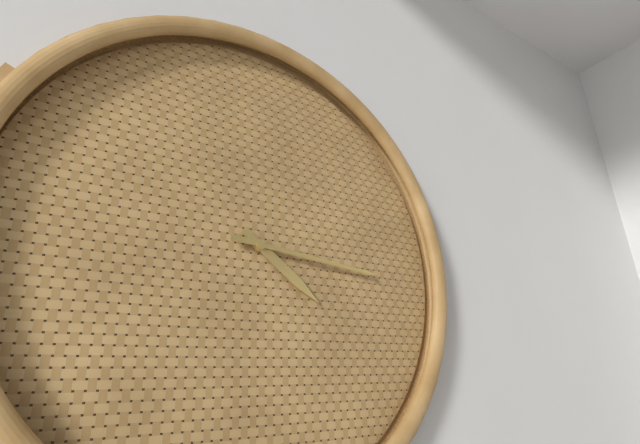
4:16
